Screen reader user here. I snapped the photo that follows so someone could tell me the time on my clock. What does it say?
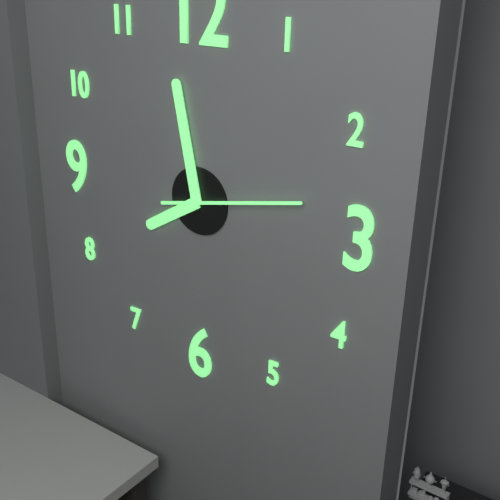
7:58:13
